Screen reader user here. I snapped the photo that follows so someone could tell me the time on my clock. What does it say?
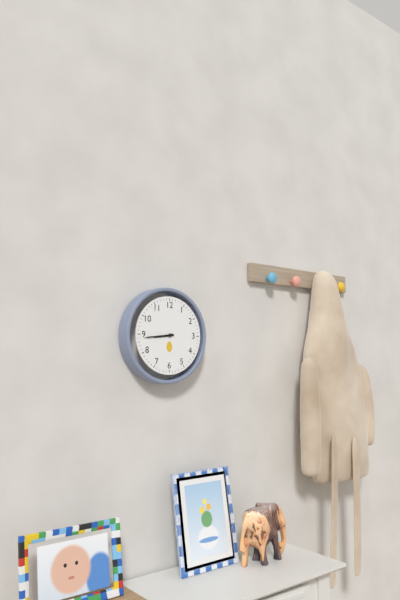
8:44
